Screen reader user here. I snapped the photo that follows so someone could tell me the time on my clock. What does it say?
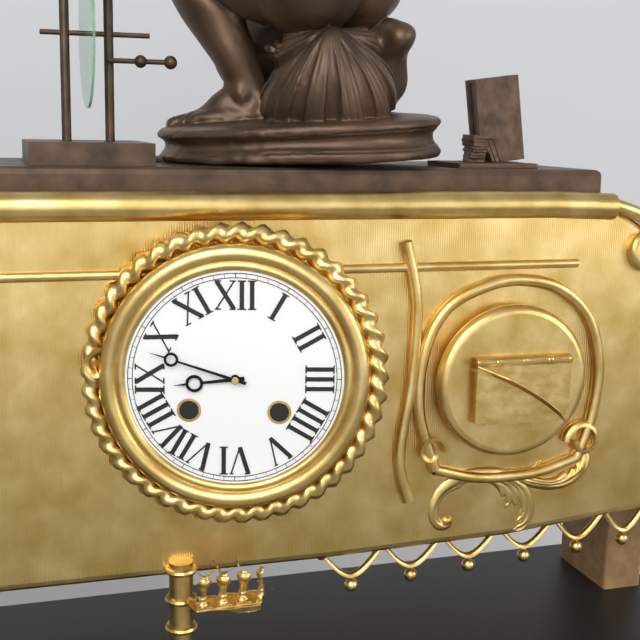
8:48
